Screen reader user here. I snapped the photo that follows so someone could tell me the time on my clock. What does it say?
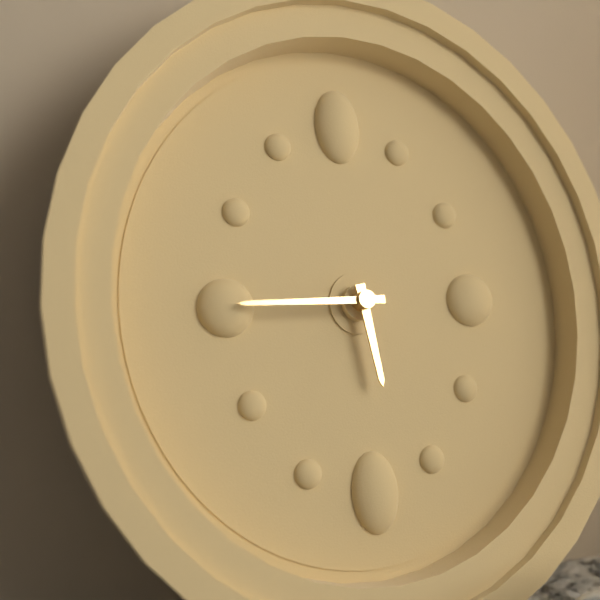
5:45
